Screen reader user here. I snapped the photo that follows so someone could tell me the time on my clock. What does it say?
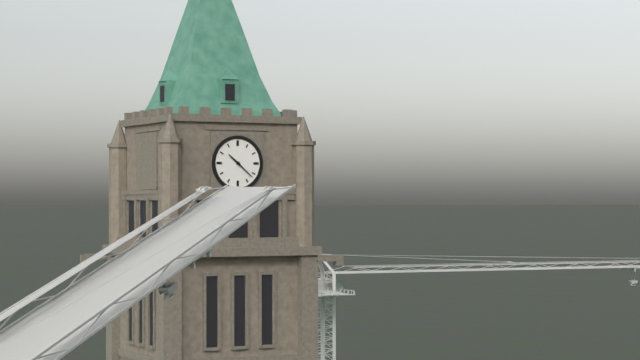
10:22
